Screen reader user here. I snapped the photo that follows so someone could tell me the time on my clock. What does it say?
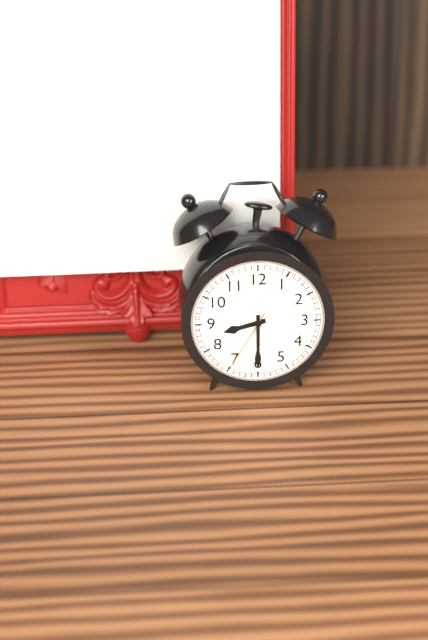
8:30:35
